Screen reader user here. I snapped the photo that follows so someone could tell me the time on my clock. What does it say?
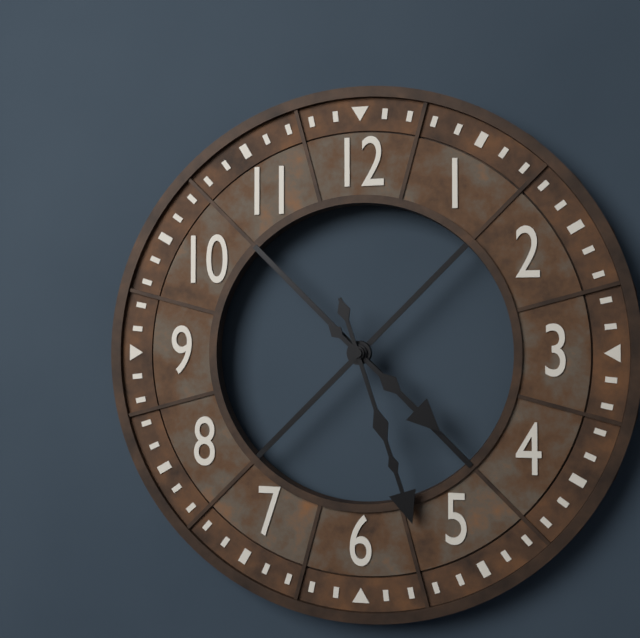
4:27
